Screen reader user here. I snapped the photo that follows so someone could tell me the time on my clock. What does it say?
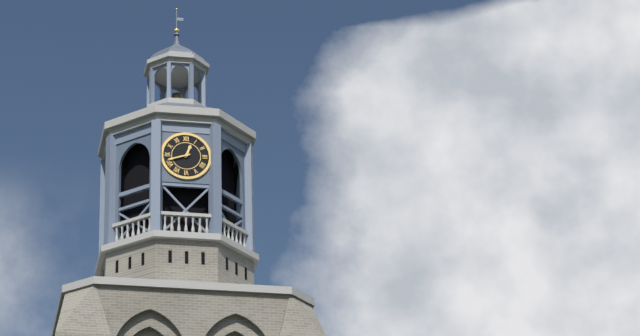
12:42
